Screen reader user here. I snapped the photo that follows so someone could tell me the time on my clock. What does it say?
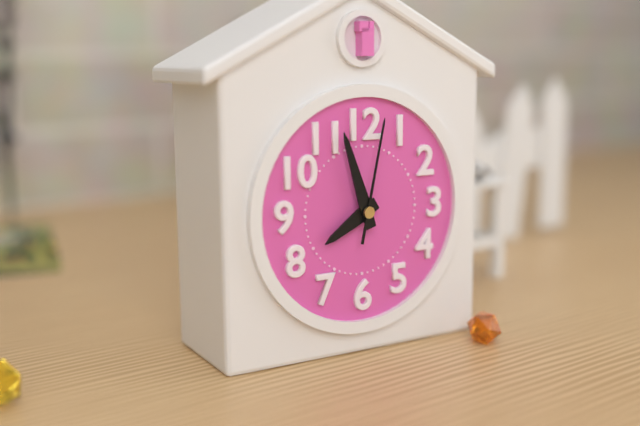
7:57:02
